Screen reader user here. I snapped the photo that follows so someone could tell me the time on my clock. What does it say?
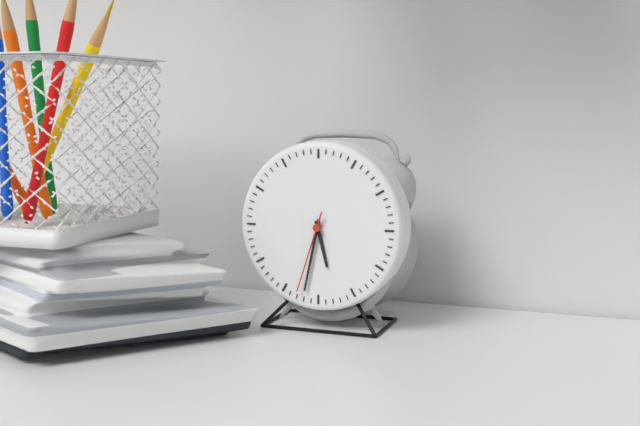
5:32:33
